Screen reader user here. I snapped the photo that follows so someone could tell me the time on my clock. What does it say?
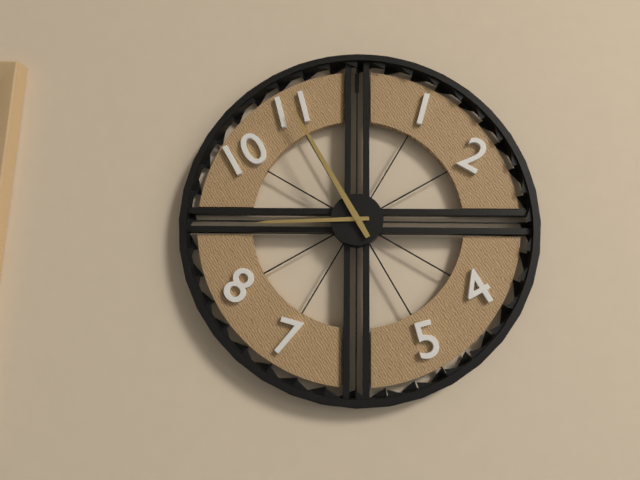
8:55
